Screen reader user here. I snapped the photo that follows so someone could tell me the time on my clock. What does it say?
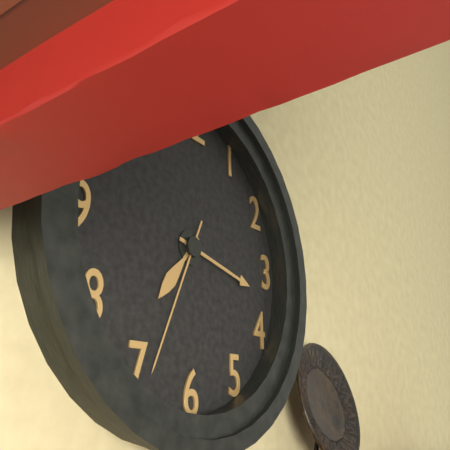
7:17:34
